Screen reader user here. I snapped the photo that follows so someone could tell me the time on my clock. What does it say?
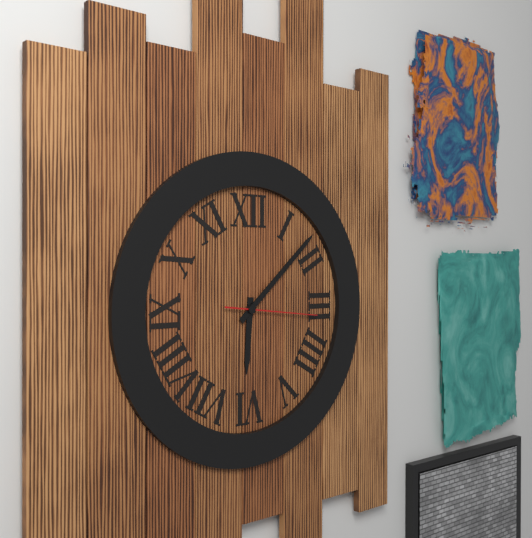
6:08:16
